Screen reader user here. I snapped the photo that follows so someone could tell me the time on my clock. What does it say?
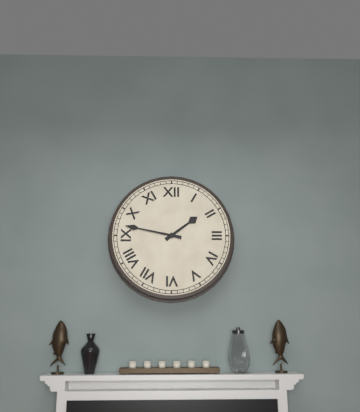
1:47
